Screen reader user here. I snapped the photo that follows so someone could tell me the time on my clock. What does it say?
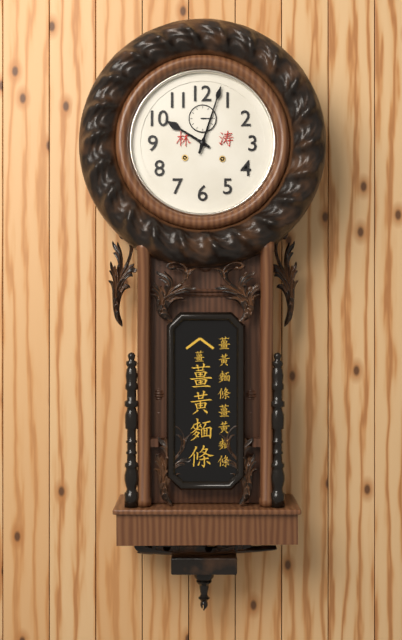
10:03
